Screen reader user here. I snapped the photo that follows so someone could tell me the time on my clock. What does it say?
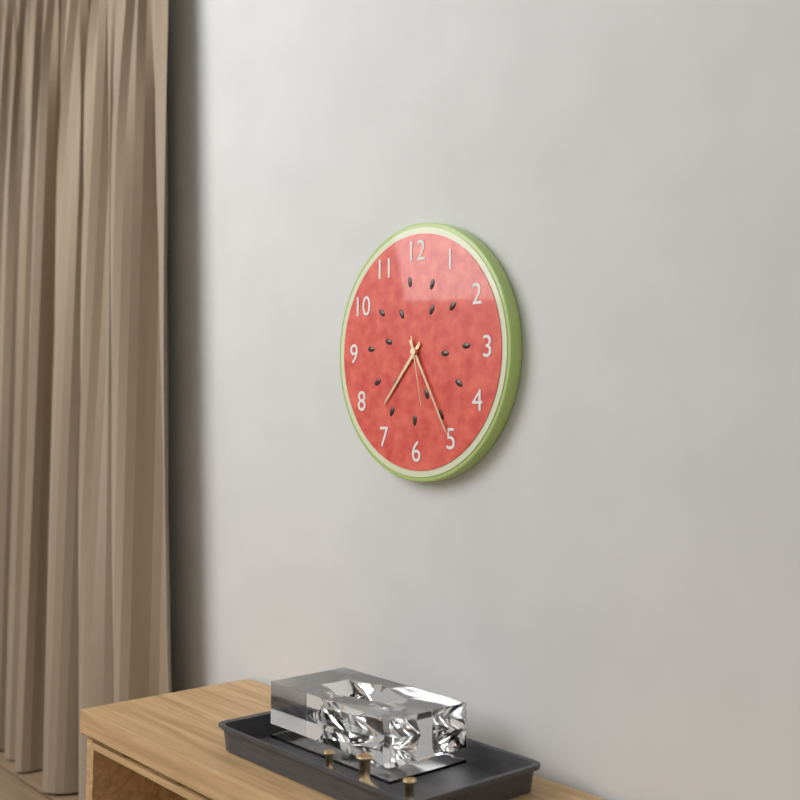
7:25:28
